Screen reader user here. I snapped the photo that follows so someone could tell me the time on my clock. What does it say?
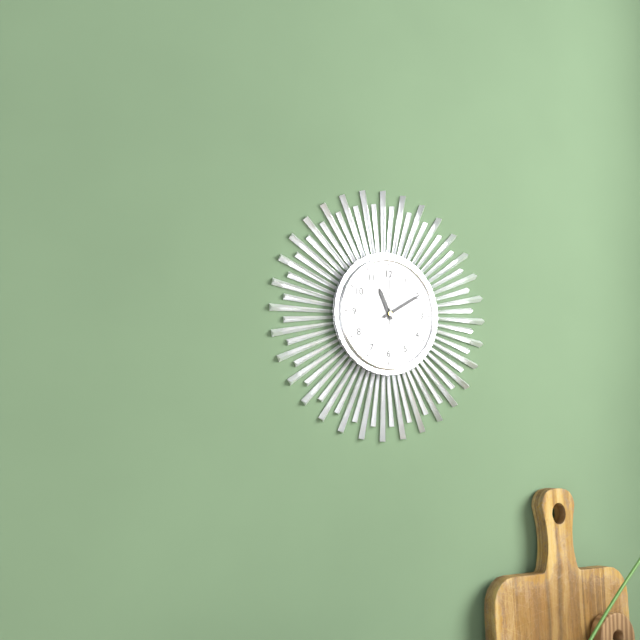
11:10:00
